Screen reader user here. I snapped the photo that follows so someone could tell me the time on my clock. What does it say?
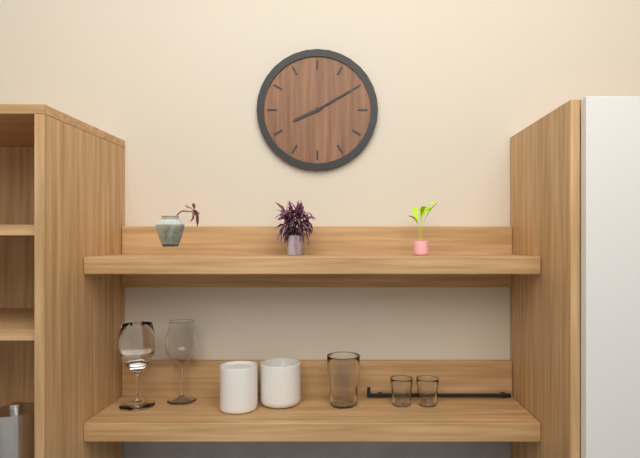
8:10
